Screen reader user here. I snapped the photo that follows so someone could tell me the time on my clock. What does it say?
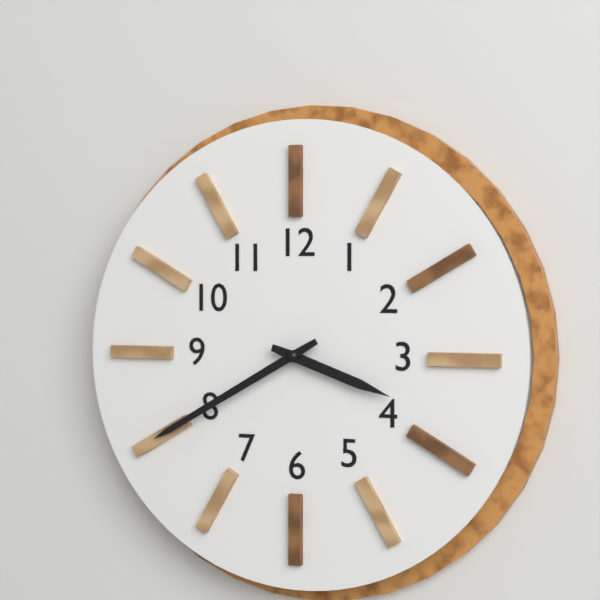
3:40
